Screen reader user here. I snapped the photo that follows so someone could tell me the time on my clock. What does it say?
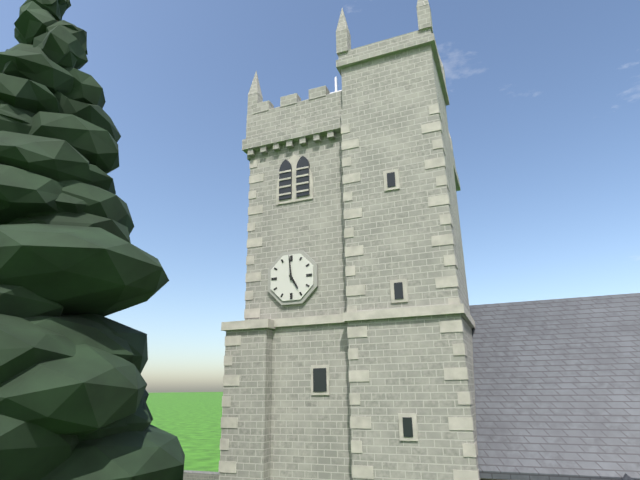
4:59
